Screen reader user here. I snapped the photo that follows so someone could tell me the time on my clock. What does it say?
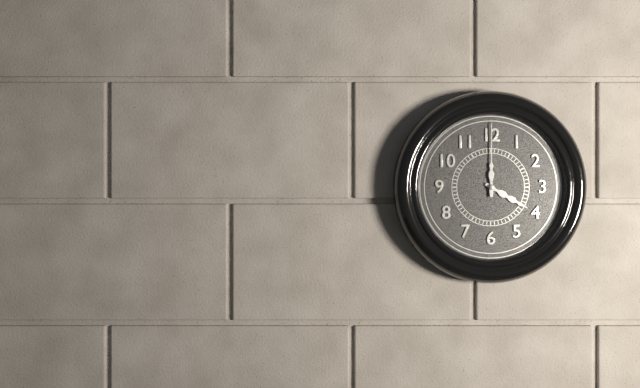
4:00
